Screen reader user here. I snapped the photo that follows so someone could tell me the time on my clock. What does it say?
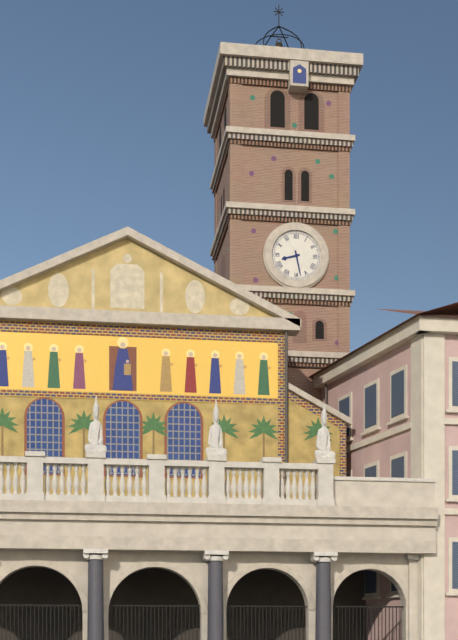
8:28
